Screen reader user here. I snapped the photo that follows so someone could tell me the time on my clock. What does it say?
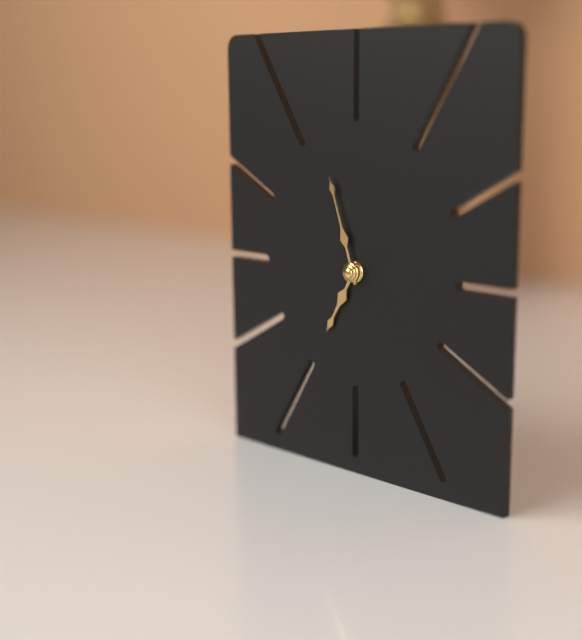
6:57
